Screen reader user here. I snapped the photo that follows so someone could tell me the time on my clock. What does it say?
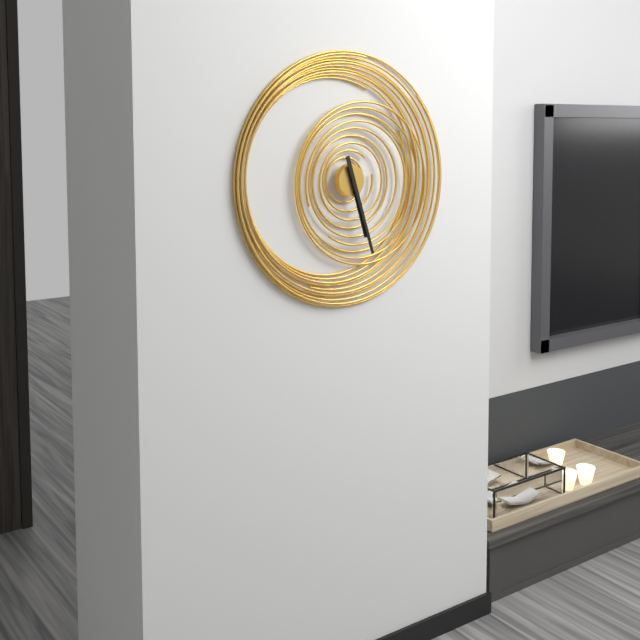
5:27
